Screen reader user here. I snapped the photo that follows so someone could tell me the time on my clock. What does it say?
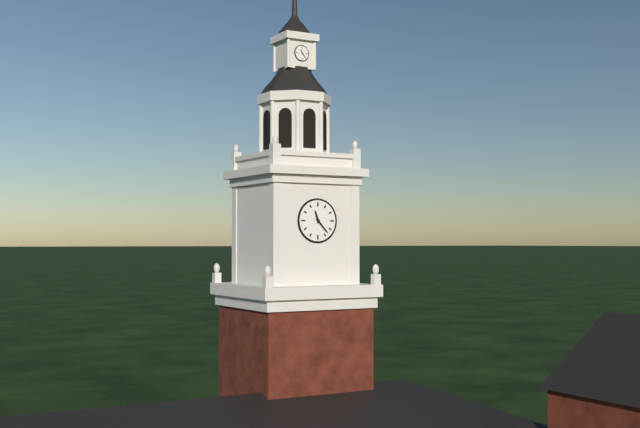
11:23
